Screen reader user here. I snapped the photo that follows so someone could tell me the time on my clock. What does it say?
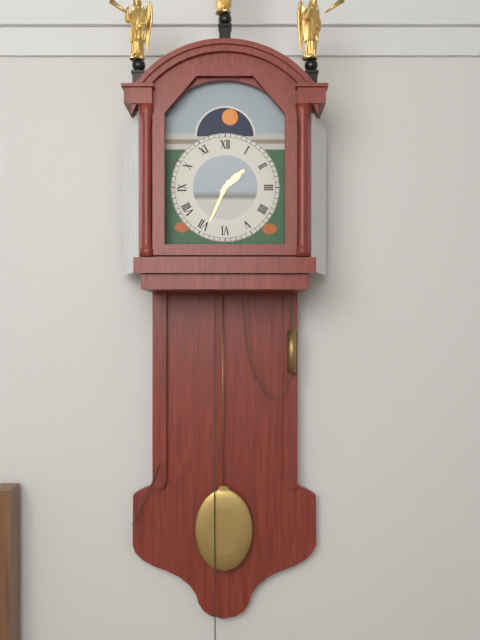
1:34
